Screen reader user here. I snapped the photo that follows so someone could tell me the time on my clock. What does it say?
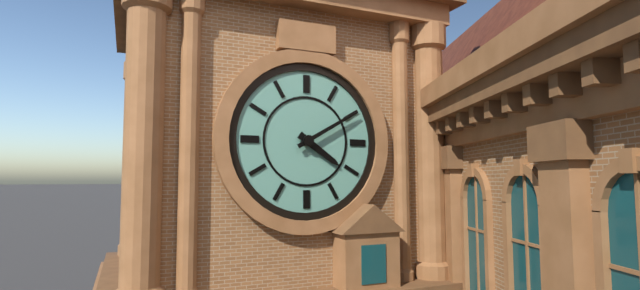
4:10
